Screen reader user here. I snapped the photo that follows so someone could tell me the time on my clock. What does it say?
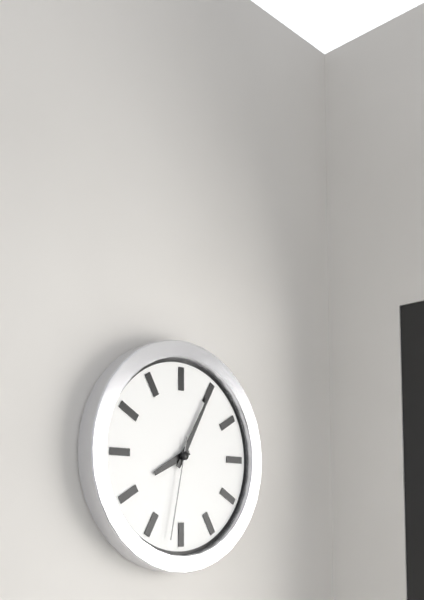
8:05:32
